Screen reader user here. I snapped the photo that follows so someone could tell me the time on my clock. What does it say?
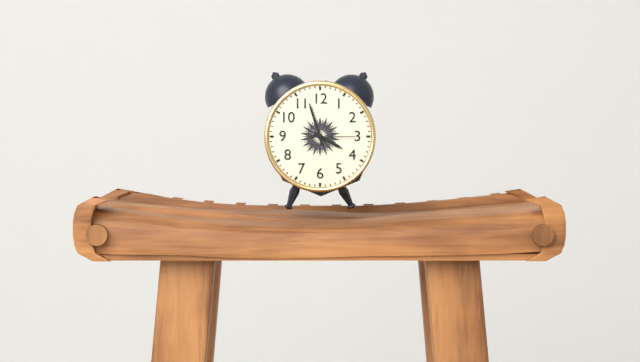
3:57:15
